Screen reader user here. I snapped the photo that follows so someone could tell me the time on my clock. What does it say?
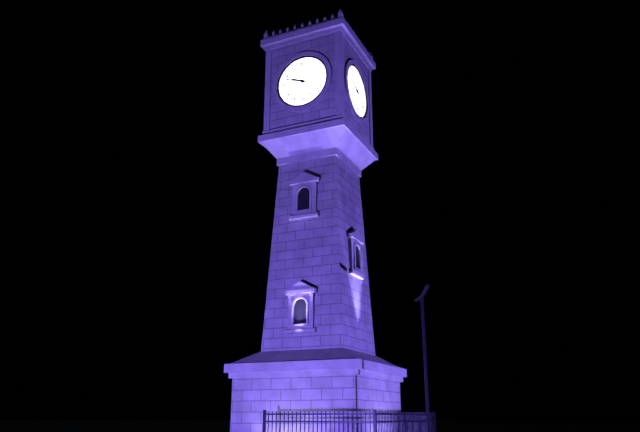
9:48
